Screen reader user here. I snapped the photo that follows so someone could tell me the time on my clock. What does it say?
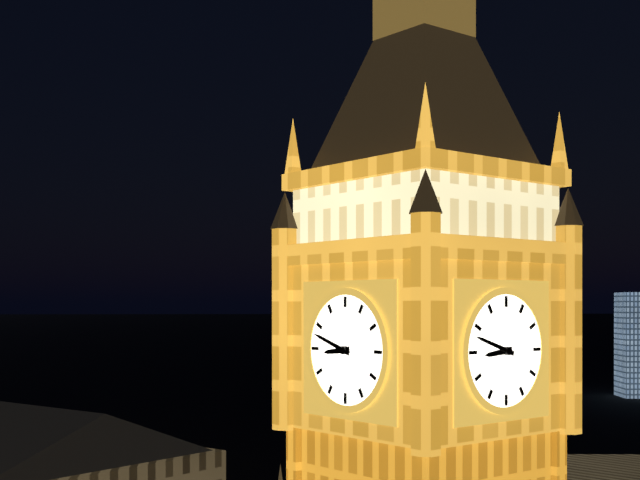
8:48
